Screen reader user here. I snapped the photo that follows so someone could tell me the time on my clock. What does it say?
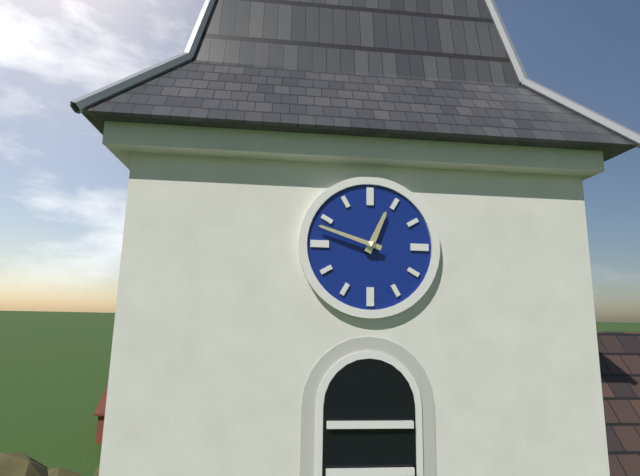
12:48
